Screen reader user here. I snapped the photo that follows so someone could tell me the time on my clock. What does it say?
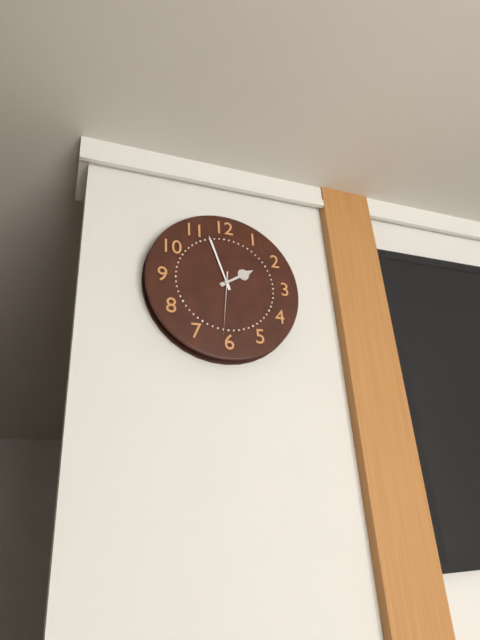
1:57:31
